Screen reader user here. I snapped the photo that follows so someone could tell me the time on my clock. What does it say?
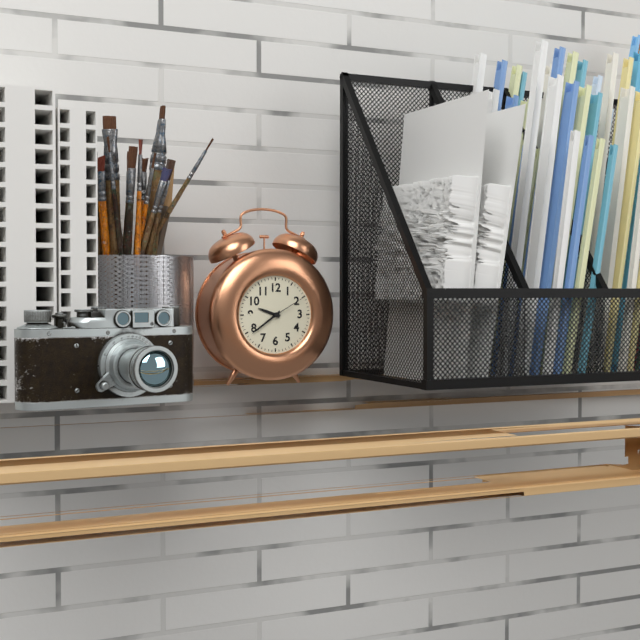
9:39
